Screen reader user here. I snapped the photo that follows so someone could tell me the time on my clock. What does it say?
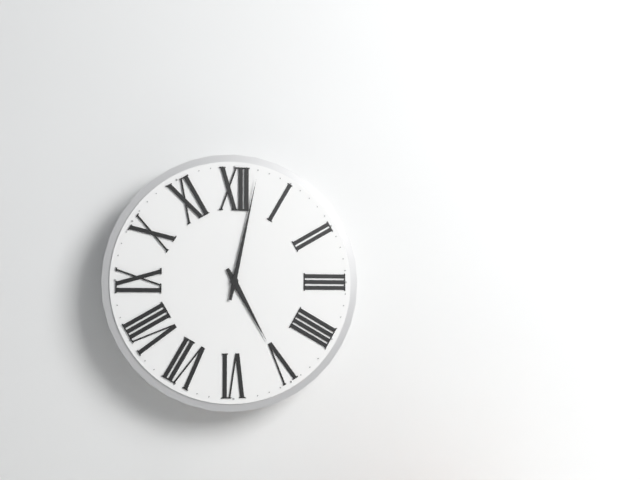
5:02
